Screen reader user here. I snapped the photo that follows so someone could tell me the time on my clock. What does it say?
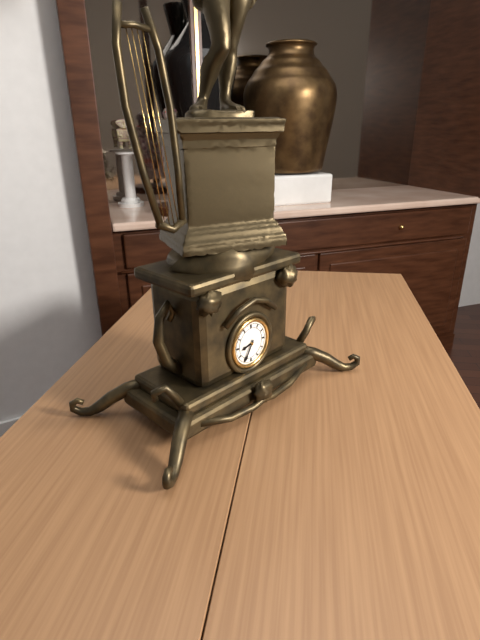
8:35
